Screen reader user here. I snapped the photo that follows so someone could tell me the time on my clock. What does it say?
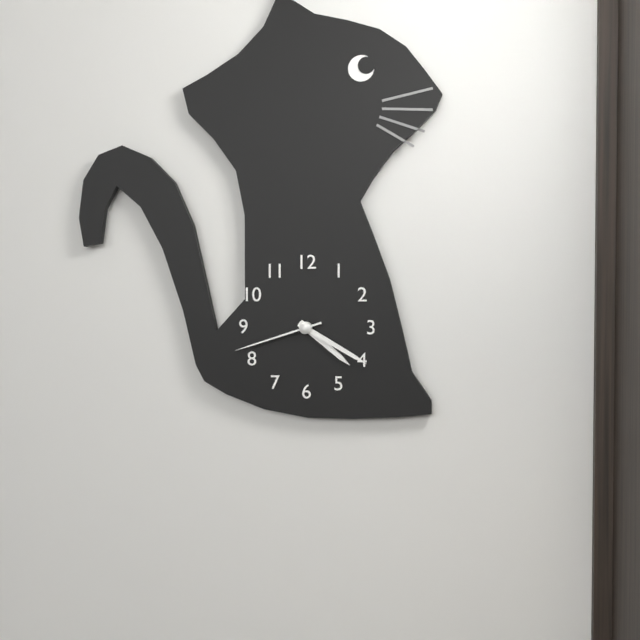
4:20:42
